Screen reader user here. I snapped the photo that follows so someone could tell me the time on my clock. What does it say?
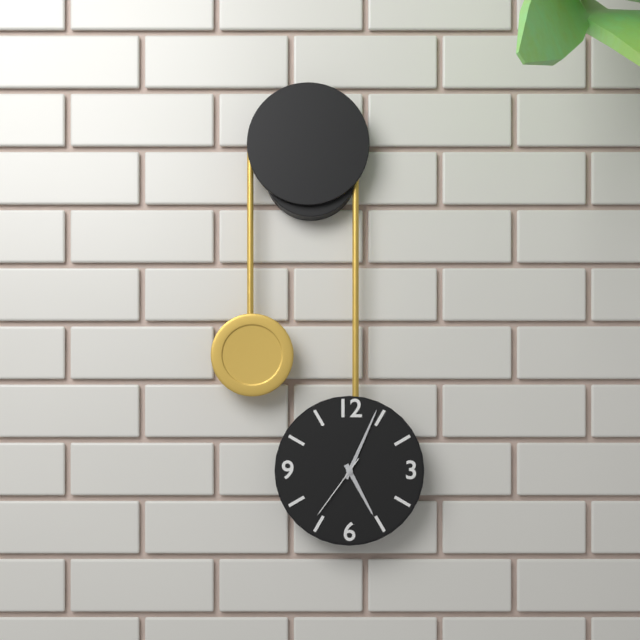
5:04:36
